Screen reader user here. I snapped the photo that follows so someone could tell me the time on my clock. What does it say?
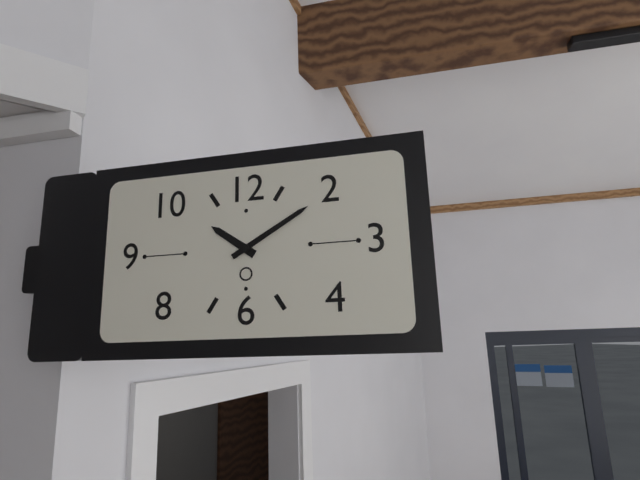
10:10
